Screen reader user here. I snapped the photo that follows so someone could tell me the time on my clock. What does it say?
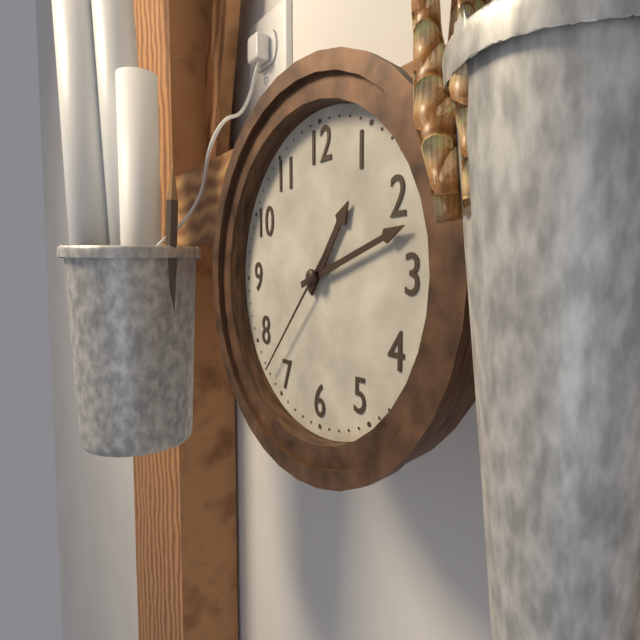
1:12:37
